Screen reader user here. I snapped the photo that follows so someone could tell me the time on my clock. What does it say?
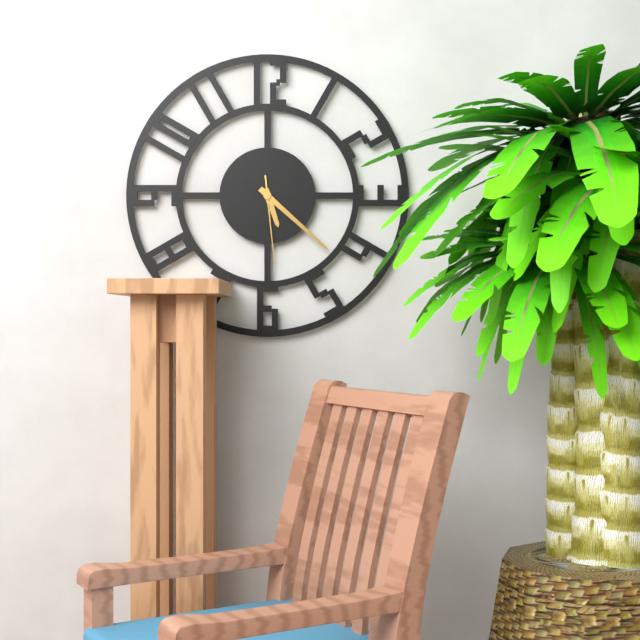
5:22:29
